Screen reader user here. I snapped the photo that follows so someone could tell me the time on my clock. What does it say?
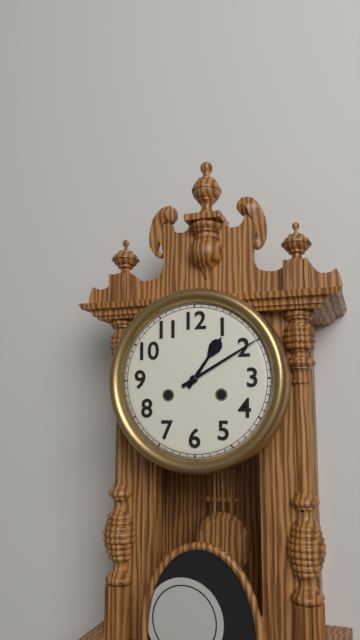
1:10
